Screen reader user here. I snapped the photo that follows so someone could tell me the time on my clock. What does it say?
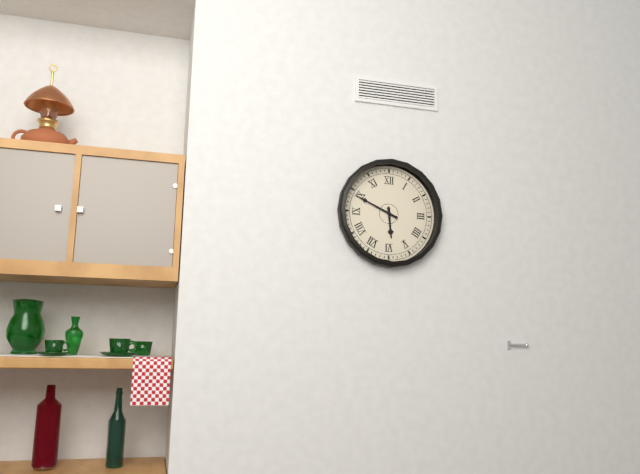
5:49
